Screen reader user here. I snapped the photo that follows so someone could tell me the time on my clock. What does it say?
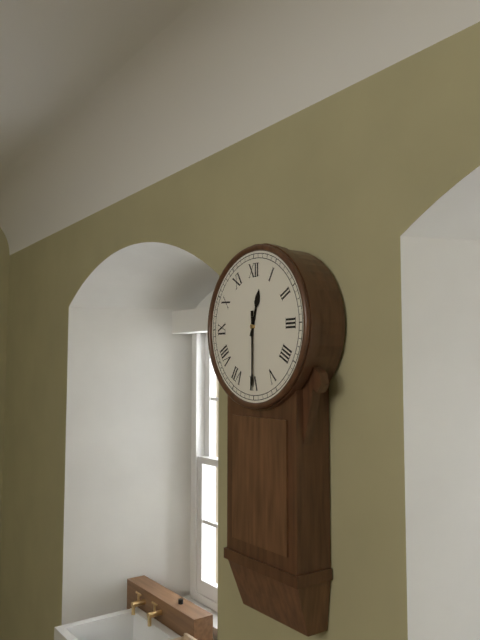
12:30
